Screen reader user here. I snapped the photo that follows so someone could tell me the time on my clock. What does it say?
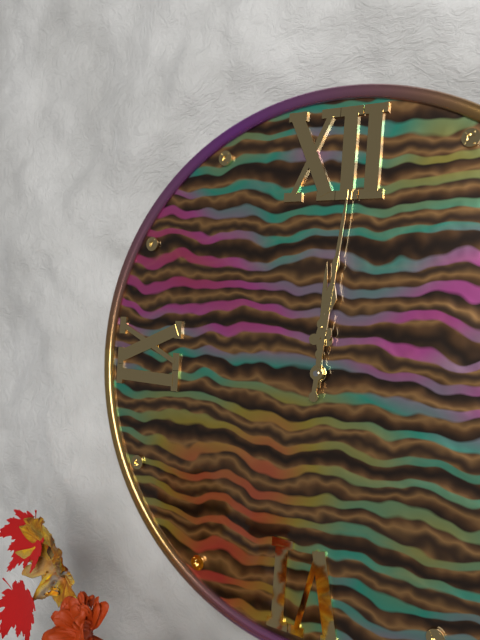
12:01
